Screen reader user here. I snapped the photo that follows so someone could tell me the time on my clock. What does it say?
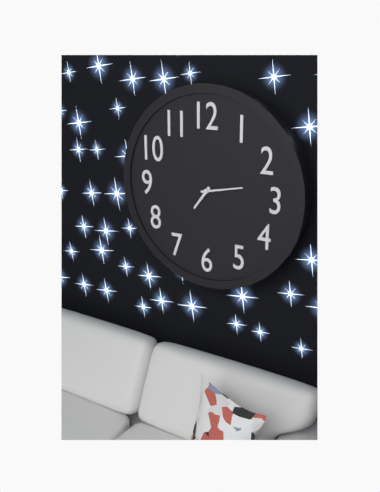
7:13
